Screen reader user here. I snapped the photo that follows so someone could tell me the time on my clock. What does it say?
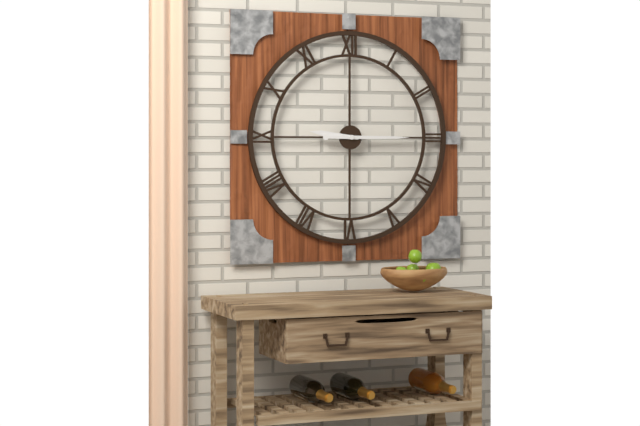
9:15
